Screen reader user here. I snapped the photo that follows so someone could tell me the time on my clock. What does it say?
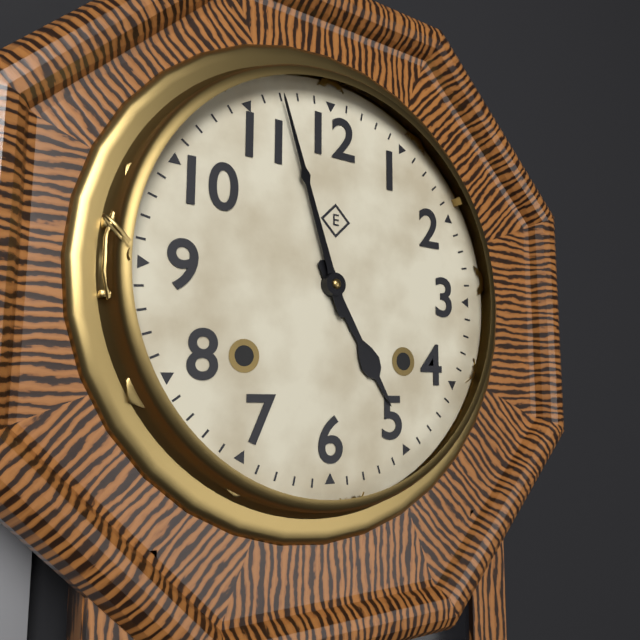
4:57
